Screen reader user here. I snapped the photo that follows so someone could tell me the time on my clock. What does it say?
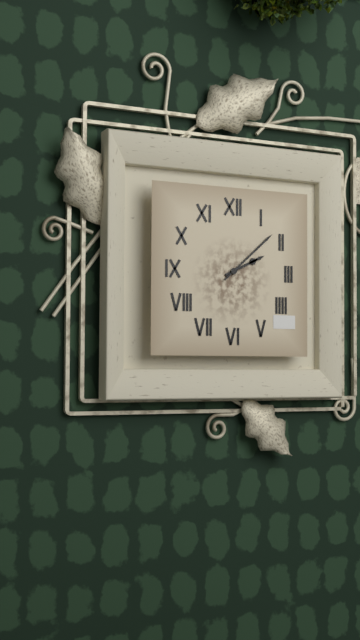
2:08
